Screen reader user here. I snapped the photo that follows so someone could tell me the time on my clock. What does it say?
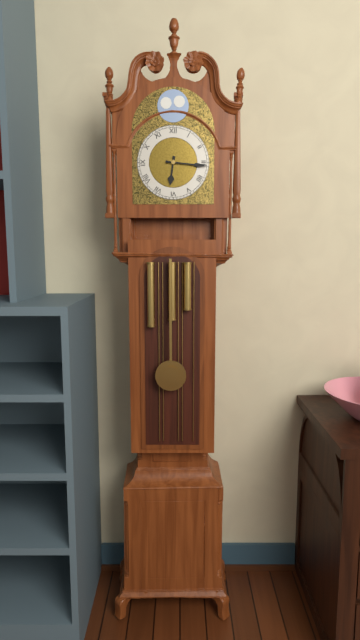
6:16
